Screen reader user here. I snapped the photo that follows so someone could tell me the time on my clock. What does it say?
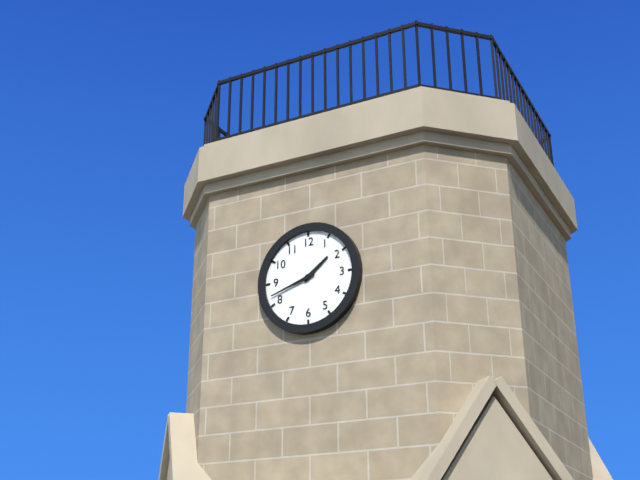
1:42
